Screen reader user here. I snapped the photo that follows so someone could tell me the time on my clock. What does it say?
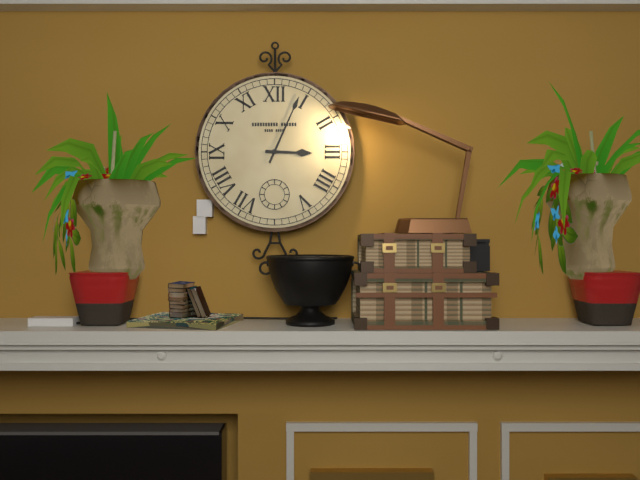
3:04
